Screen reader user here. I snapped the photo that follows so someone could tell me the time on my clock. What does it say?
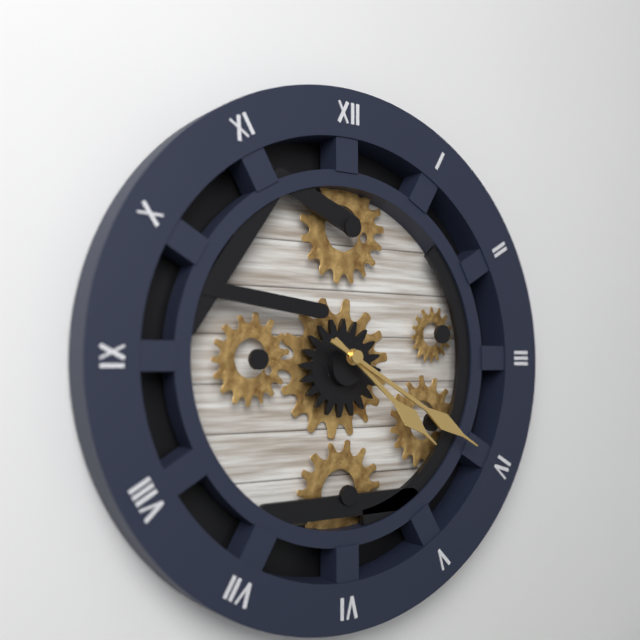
4:20
